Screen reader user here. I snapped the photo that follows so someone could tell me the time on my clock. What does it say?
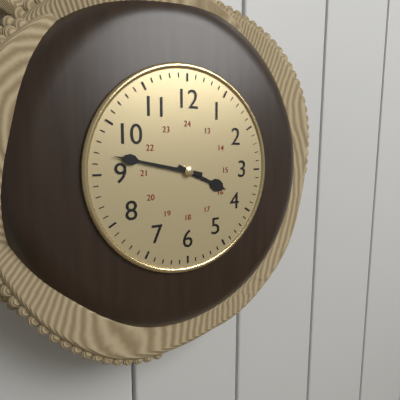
3:47
